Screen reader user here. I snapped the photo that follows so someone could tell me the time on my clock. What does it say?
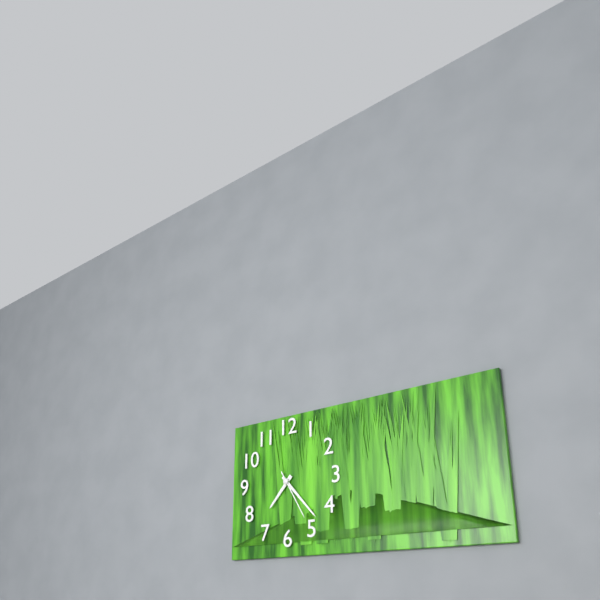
7:23:25
